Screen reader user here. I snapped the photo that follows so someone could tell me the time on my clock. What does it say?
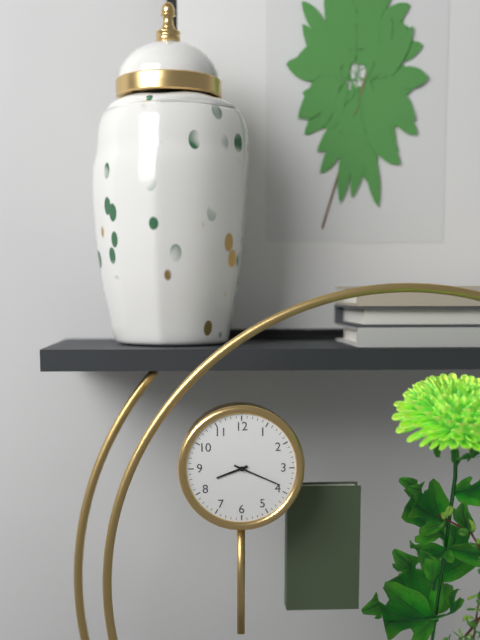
8:19
